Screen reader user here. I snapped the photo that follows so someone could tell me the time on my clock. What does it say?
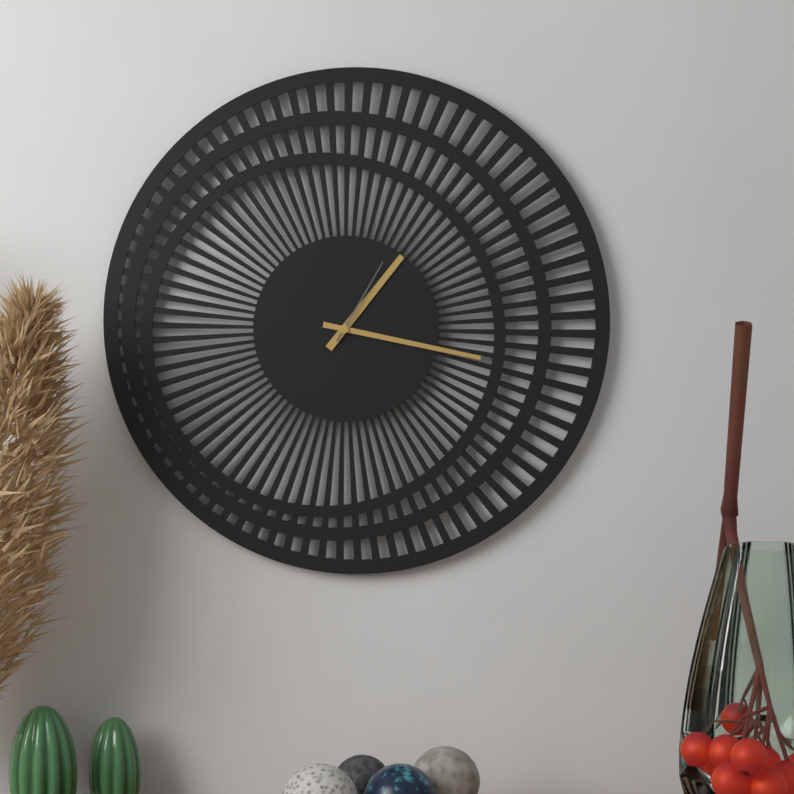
1:17:05
